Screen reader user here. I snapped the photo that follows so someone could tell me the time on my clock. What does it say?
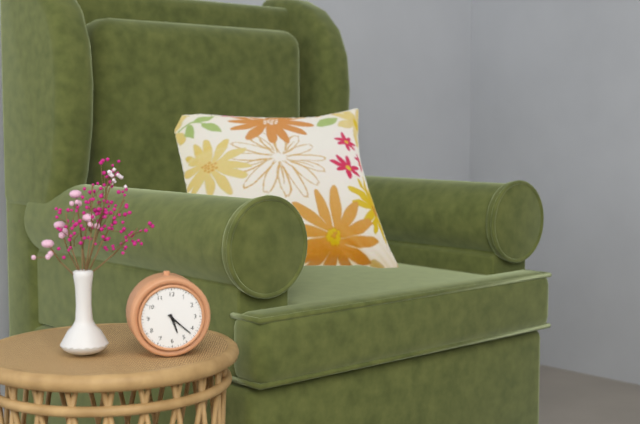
5:22
